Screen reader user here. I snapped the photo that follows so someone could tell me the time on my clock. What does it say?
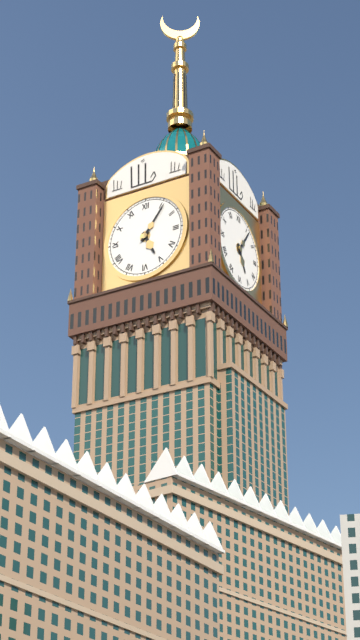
5:06
